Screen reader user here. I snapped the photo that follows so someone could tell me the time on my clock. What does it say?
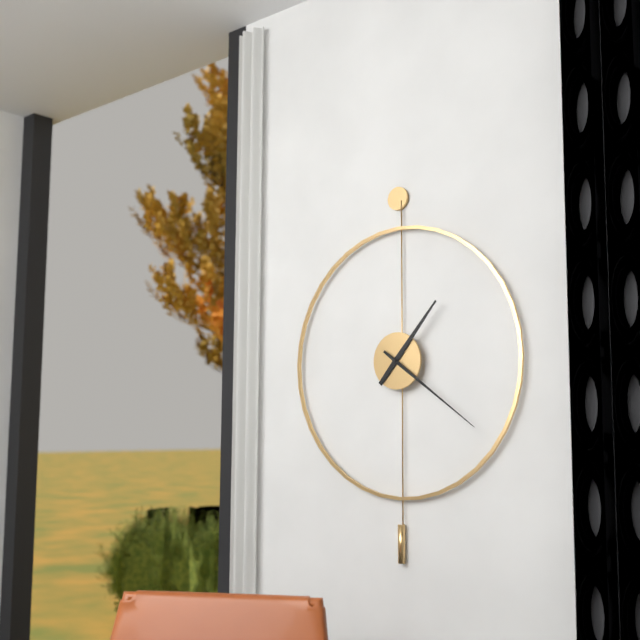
1:21
